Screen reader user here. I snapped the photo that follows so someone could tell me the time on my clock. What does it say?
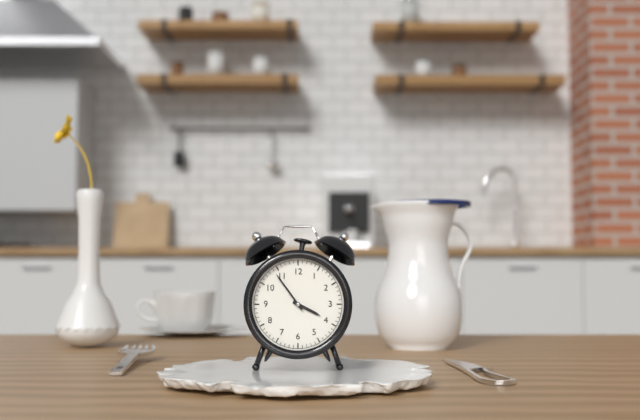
3:54
